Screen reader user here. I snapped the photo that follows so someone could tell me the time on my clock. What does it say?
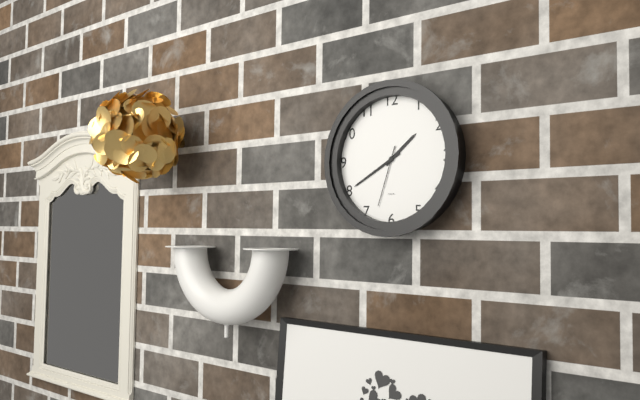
1:40:33
